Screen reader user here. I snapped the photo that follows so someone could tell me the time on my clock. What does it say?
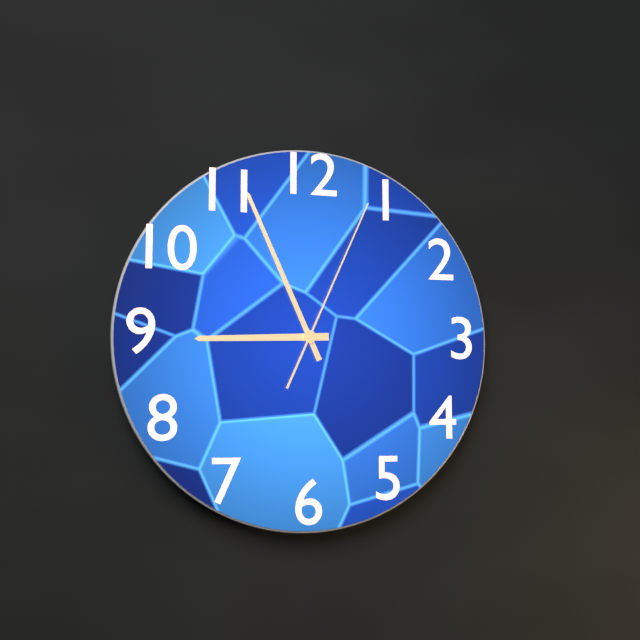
8:56:04
